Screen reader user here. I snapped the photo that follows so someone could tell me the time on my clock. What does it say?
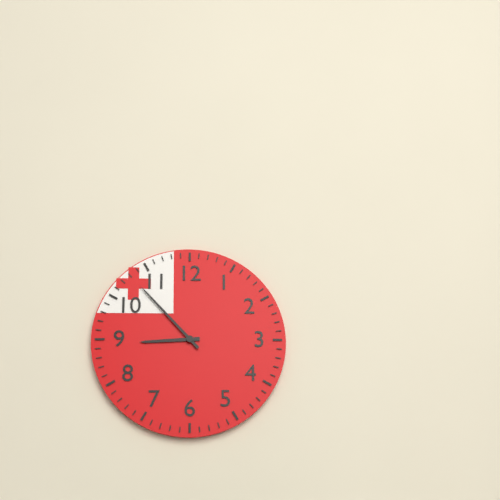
8:53
